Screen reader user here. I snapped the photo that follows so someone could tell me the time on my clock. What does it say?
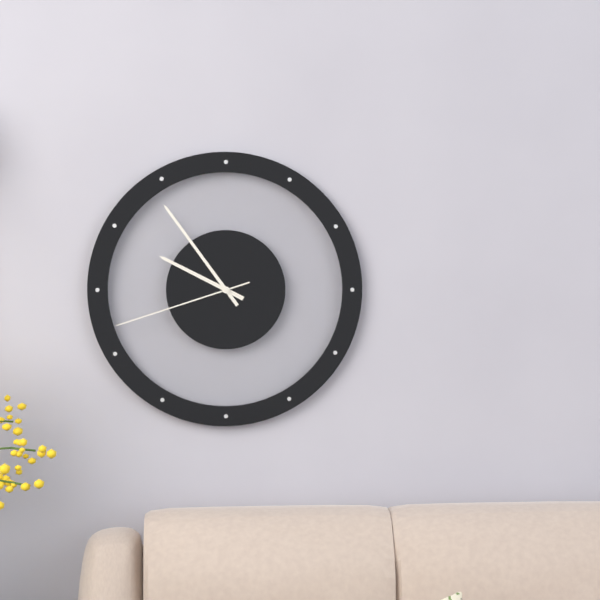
9:54:42
